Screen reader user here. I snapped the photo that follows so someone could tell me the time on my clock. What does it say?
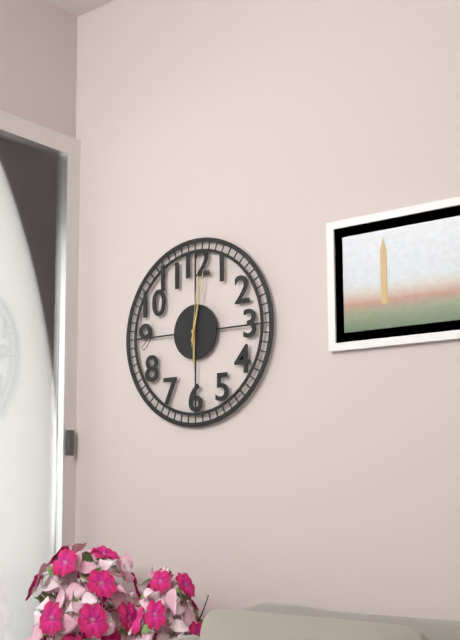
6:02:01
